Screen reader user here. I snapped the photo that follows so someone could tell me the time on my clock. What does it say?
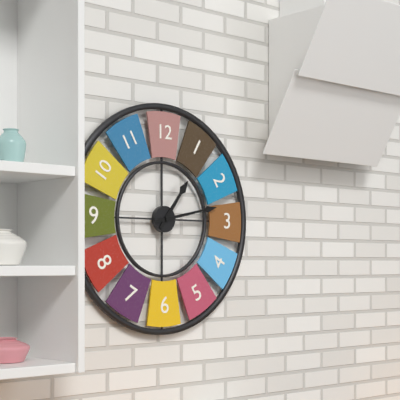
1:13
